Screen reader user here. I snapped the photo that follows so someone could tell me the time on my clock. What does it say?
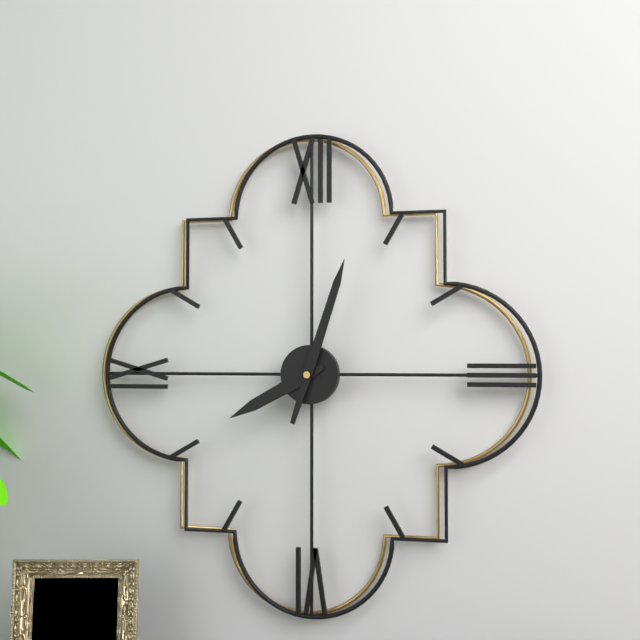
8:03
